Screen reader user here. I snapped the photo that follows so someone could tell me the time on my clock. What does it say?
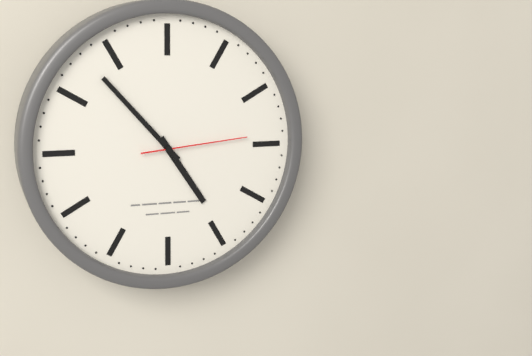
4:53:14
